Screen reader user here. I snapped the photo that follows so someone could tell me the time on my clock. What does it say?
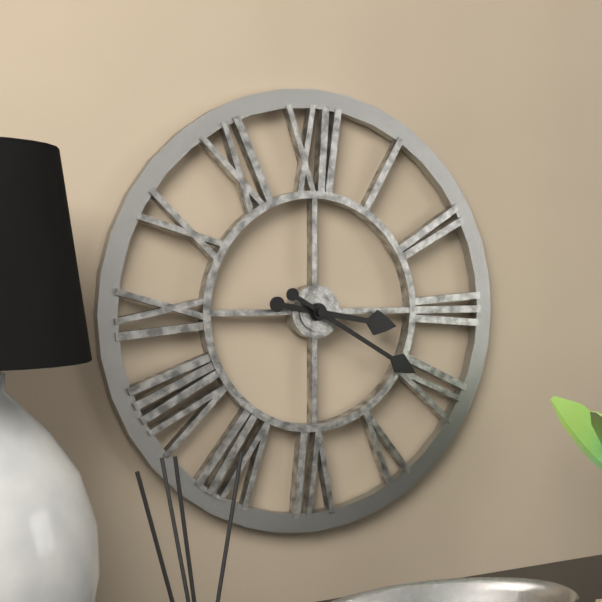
3:20
